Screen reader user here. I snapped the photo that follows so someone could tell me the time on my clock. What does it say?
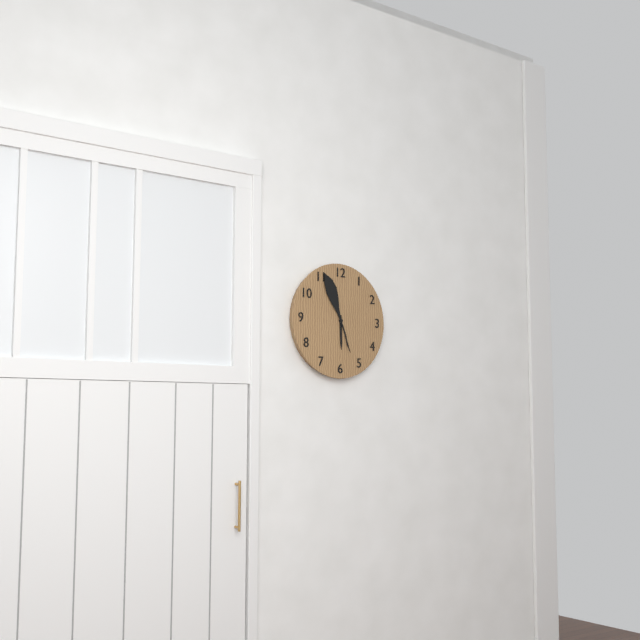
5:56
